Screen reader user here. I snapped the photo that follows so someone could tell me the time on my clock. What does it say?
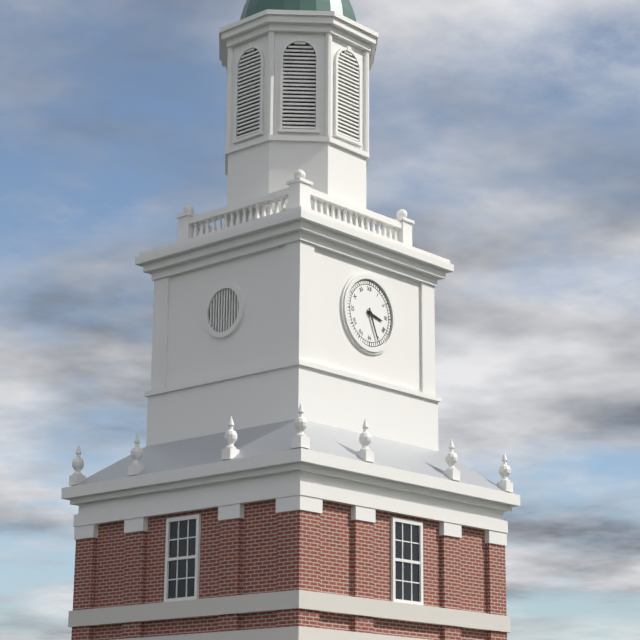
3:26
